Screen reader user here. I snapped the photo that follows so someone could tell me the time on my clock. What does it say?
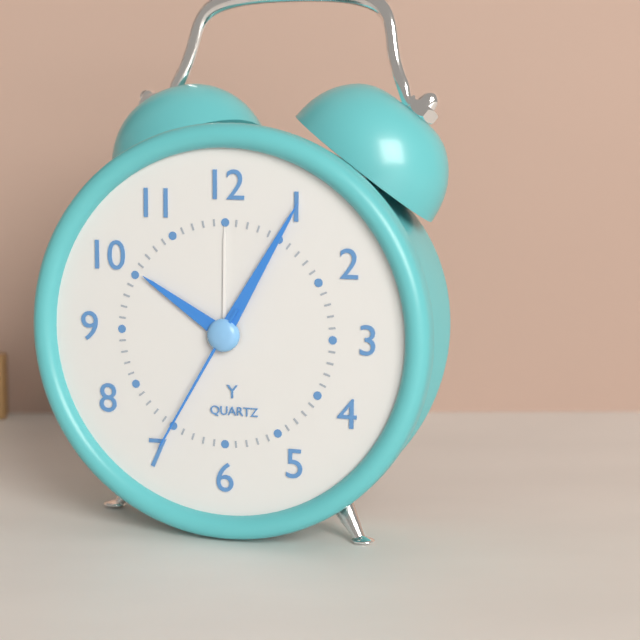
10:05:35
